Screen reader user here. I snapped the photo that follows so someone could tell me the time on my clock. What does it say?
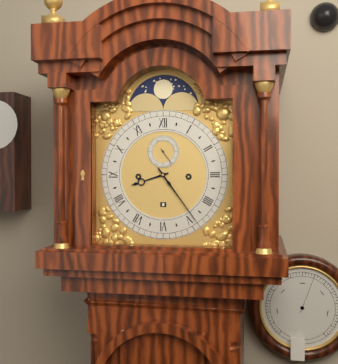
8:24
